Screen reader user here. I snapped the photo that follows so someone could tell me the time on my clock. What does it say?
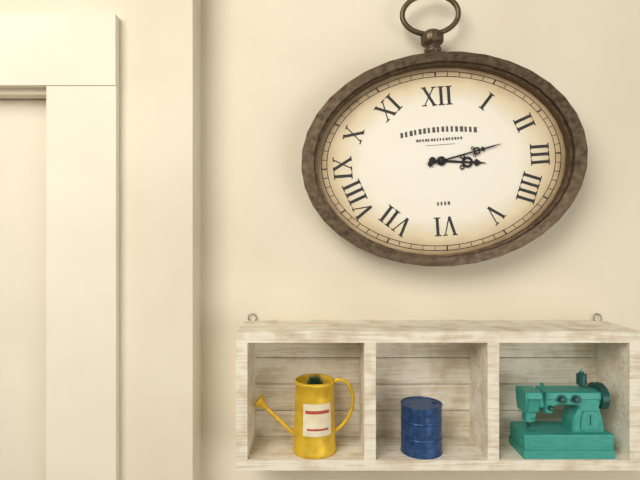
3:13
